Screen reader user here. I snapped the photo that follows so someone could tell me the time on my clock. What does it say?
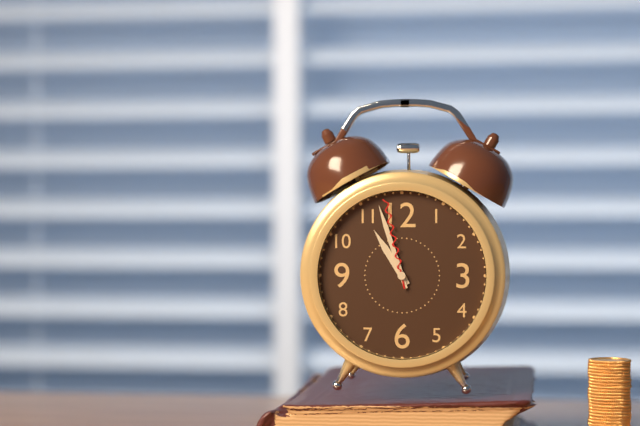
10:57:58
